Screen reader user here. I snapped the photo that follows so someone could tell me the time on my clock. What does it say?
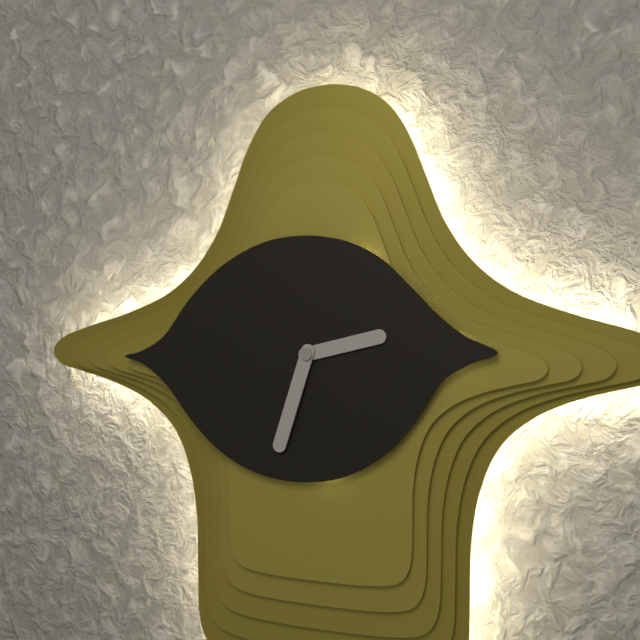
2:33
